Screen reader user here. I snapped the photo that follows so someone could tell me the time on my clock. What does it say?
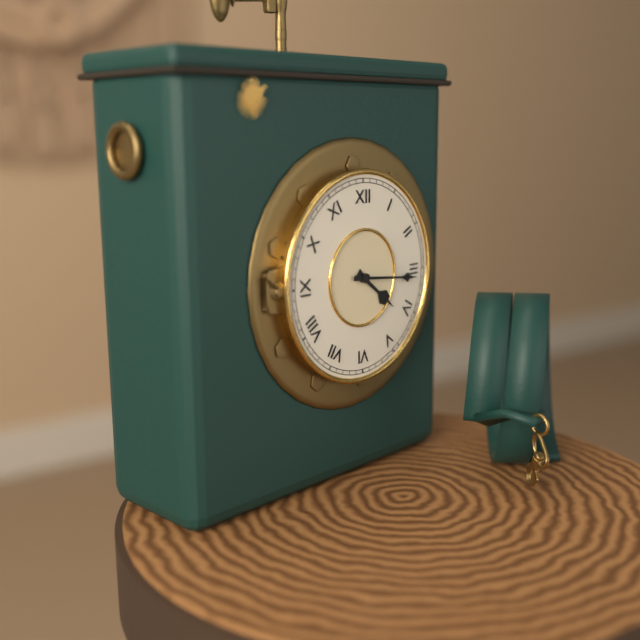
4:16
